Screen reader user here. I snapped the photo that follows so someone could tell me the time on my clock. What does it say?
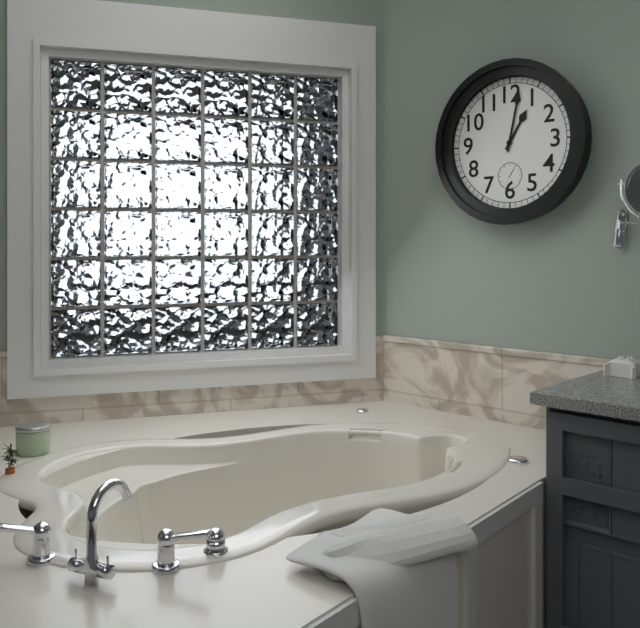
1:02
